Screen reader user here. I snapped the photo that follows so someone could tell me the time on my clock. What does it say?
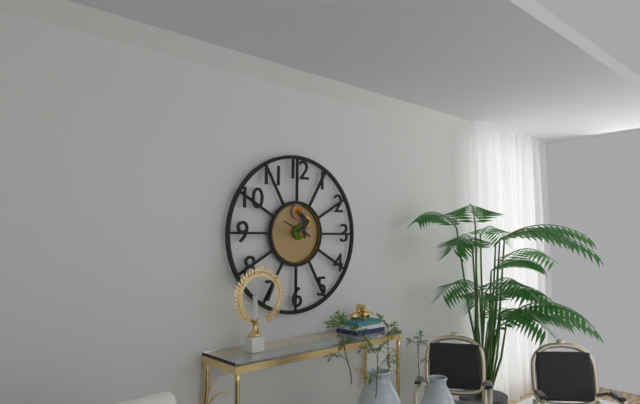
11:49
